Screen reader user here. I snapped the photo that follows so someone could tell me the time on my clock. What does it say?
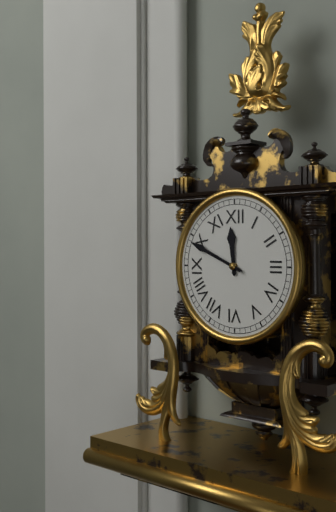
11:49
